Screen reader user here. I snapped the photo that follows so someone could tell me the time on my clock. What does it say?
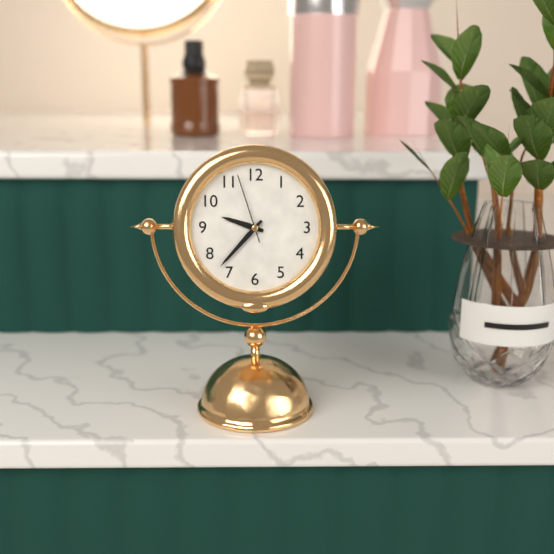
9:37:57
